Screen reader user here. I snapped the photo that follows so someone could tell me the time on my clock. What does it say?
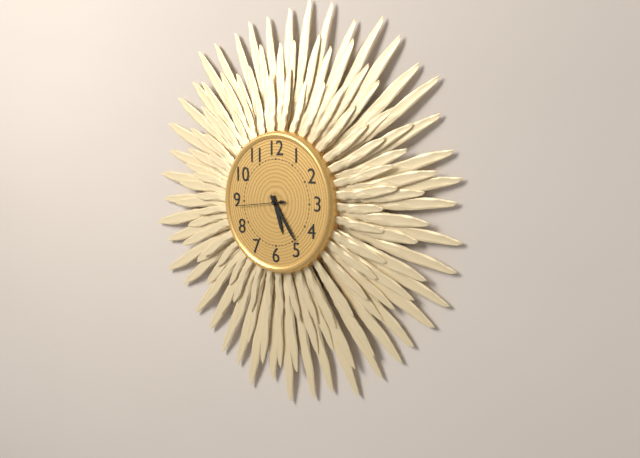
5:24:44
